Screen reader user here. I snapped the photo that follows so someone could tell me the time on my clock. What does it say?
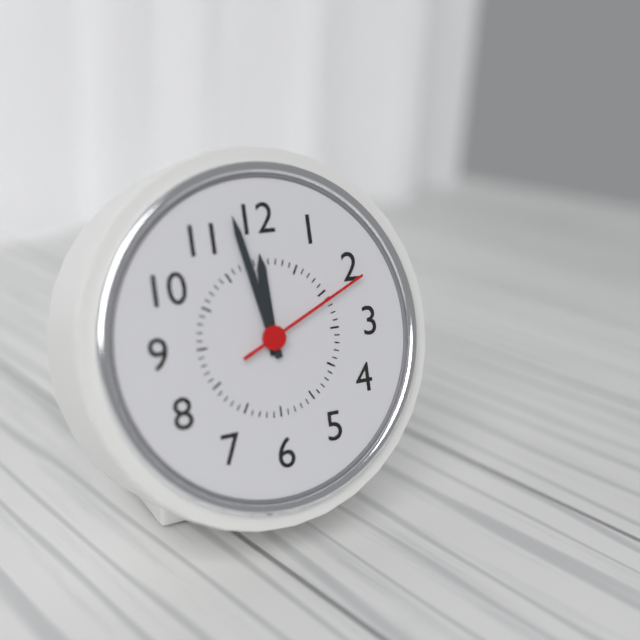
11:58:11
